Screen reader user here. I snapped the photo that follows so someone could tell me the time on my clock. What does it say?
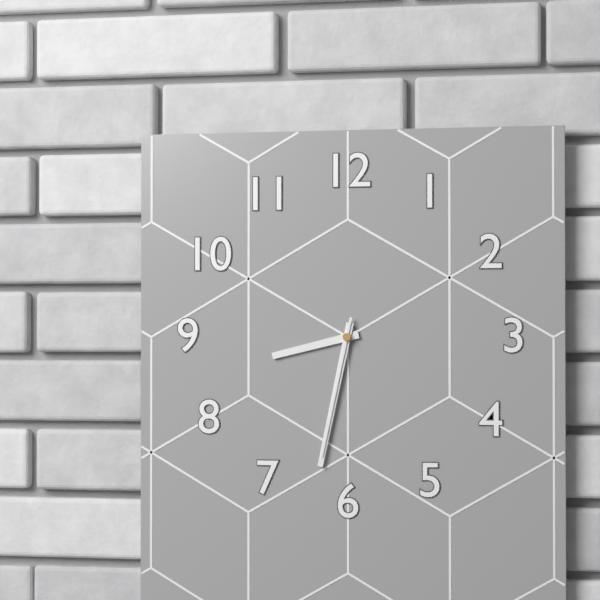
8:32:32
